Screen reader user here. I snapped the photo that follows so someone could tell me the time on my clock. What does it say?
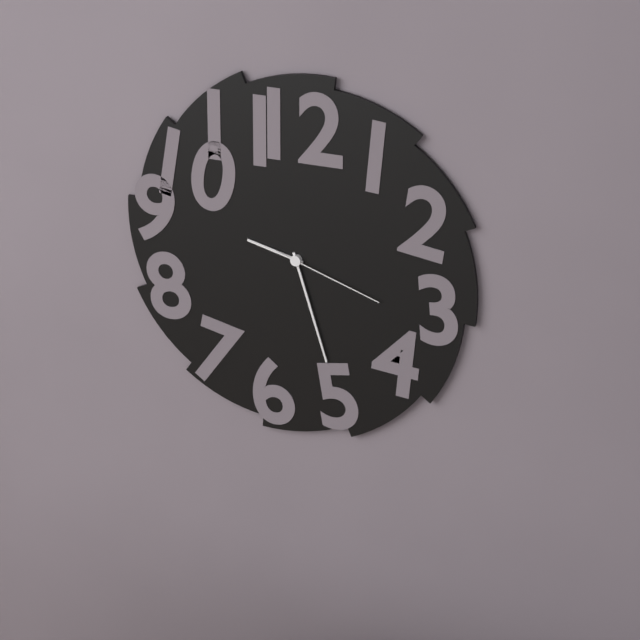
9:27:18
